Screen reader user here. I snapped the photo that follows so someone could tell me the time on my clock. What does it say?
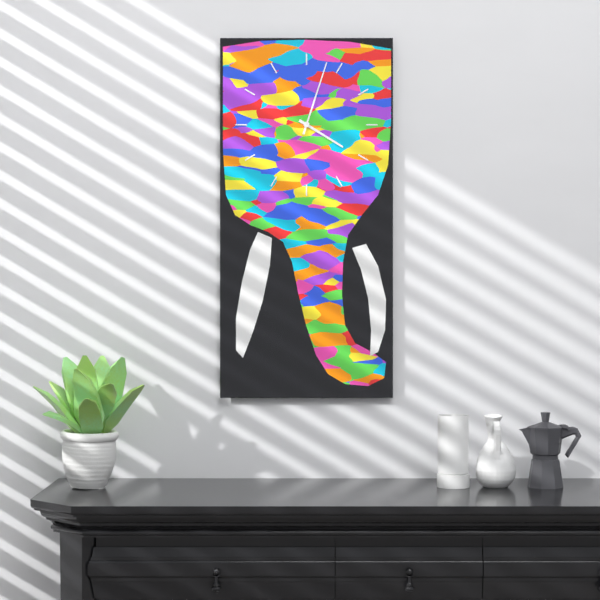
4:03
